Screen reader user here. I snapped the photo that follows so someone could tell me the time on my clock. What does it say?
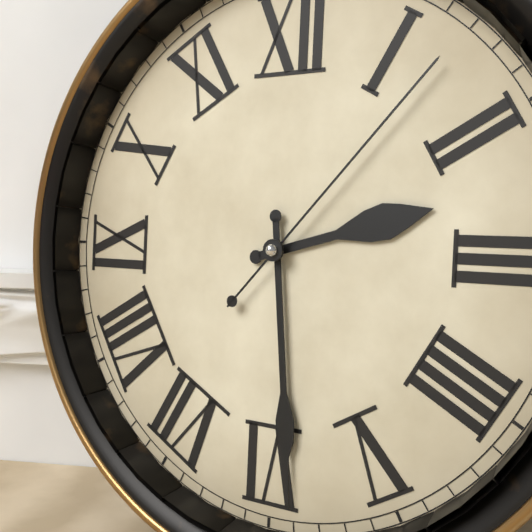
2:29:07
